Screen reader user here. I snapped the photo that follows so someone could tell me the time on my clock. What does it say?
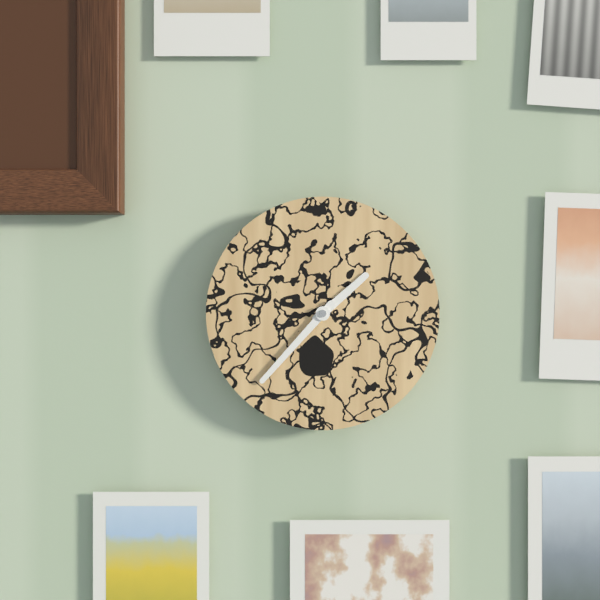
1:37
